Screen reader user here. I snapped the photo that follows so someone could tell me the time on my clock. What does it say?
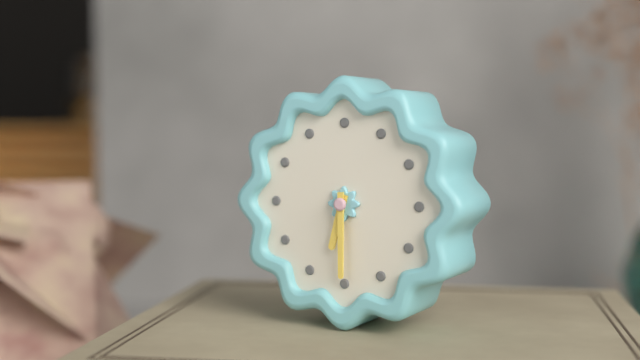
6:30
